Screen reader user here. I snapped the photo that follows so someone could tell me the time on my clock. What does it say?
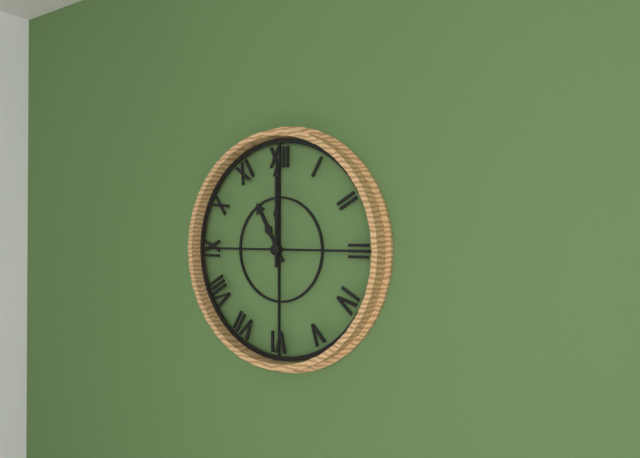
11:00
